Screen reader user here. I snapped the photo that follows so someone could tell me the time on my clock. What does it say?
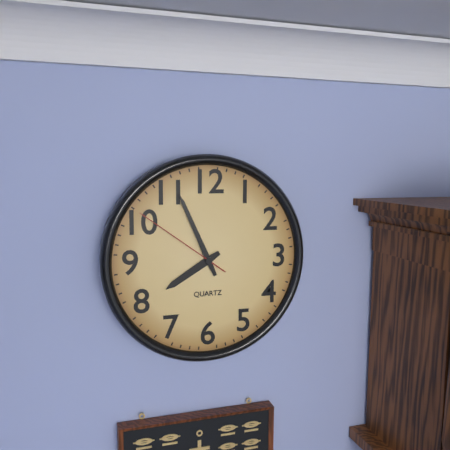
7:56:51
